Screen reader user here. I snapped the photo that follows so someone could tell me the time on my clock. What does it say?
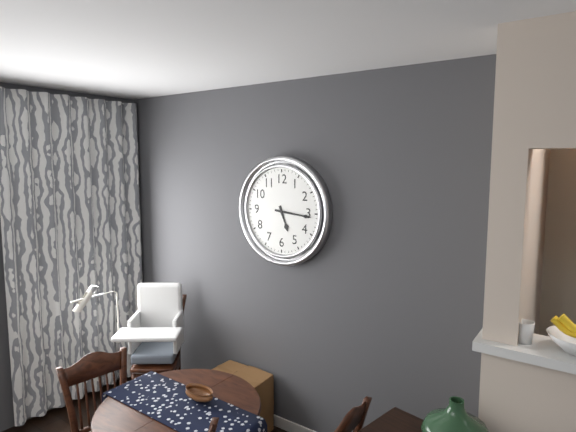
5:16
